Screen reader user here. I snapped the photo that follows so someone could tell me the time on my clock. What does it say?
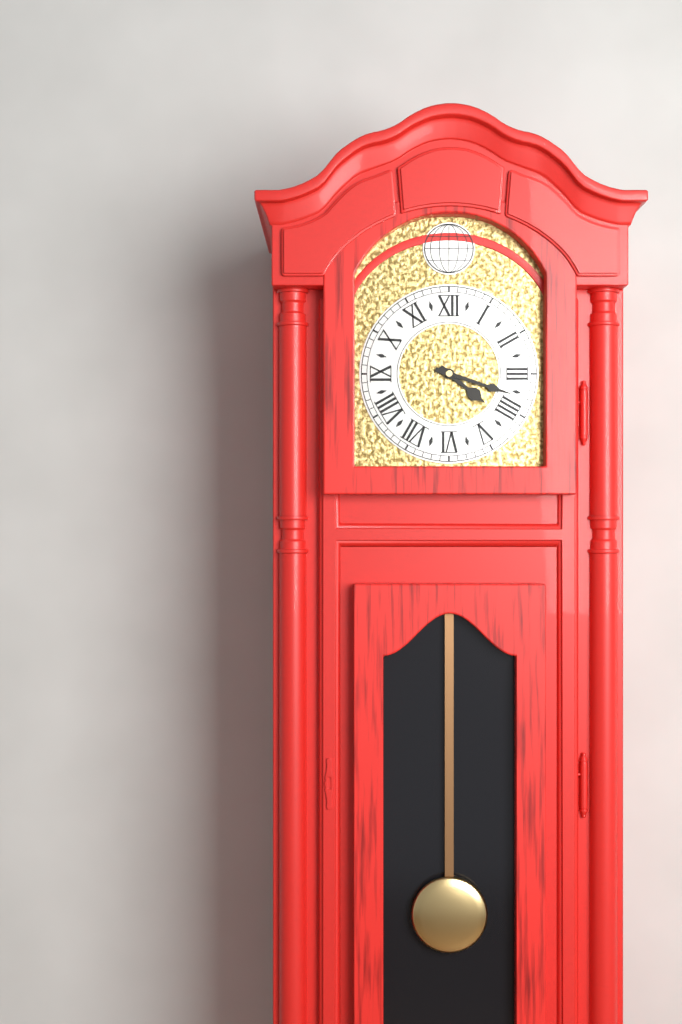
4:18
